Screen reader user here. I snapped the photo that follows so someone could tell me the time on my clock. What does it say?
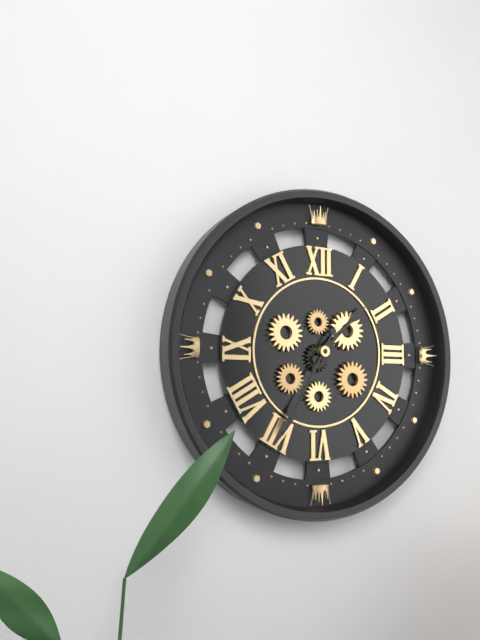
1:35
